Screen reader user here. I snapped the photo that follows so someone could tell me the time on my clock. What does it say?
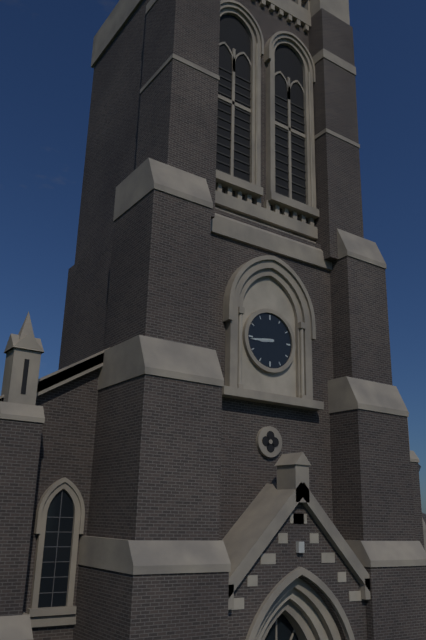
8:44
